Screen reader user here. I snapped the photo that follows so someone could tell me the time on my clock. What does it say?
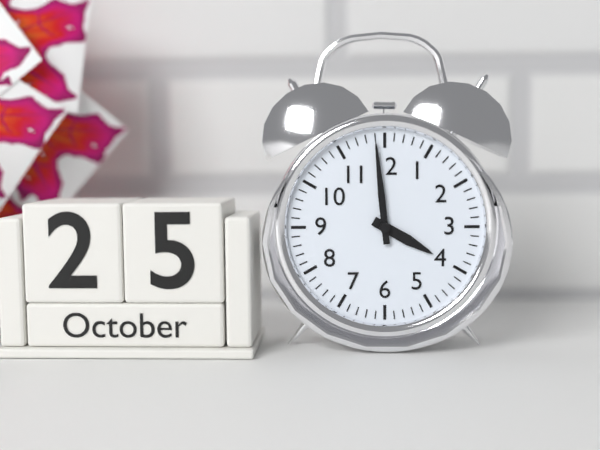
3:59
